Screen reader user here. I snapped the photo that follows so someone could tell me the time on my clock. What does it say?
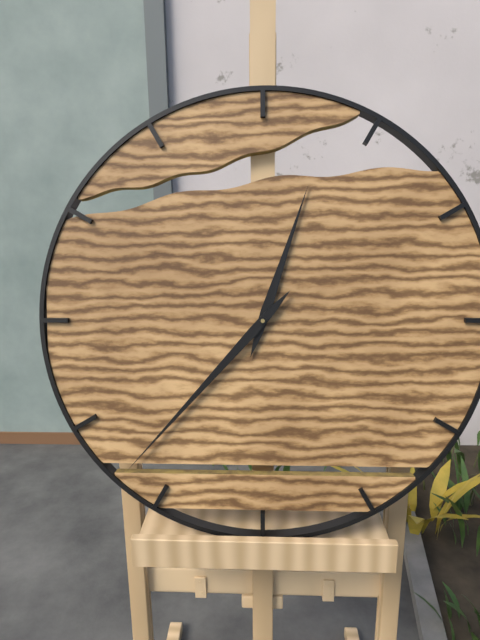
12:37
